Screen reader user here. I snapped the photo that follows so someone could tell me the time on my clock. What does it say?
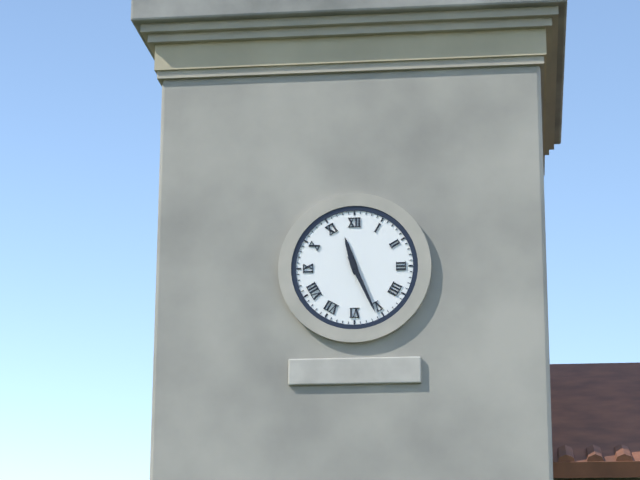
11:26
